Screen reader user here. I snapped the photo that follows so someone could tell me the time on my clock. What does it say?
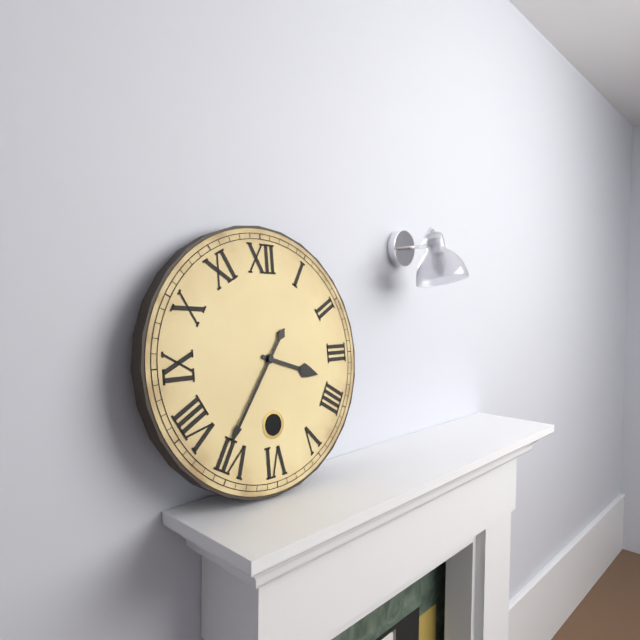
3:36
